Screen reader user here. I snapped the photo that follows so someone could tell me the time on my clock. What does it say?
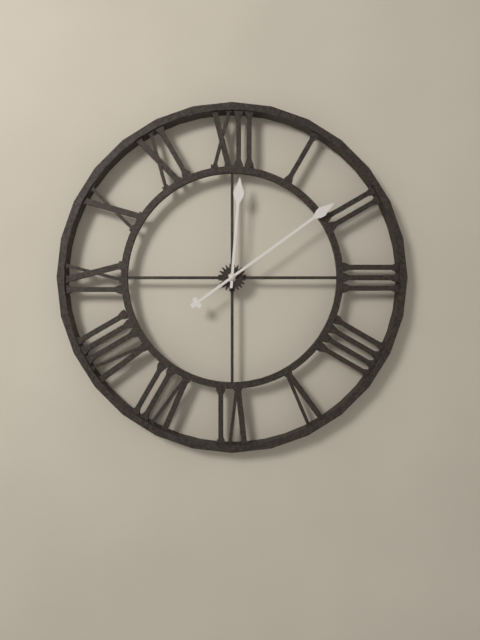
12:09
